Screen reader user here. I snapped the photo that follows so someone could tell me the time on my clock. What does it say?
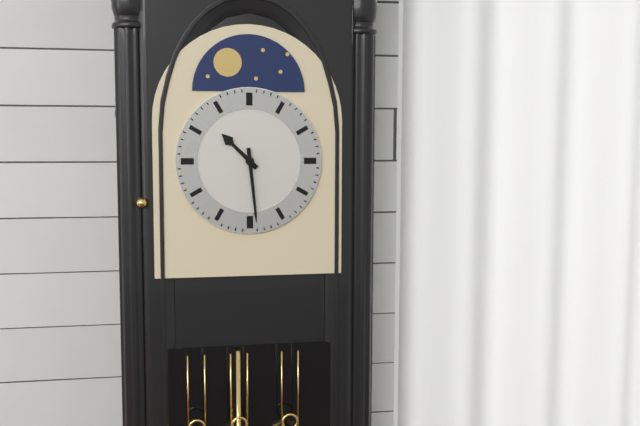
10:29
